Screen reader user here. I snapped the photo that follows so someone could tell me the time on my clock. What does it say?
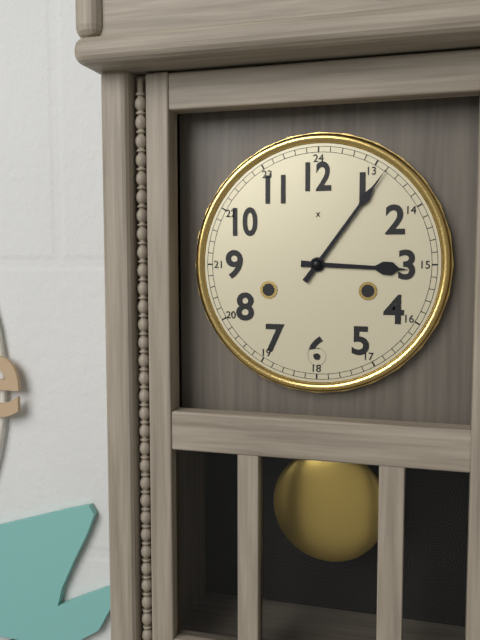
3:06
